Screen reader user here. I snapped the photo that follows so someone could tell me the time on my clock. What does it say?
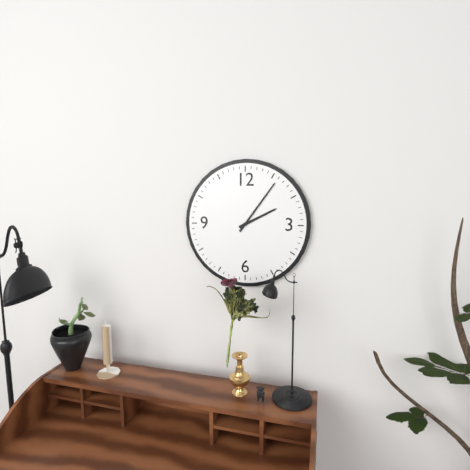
2:06
